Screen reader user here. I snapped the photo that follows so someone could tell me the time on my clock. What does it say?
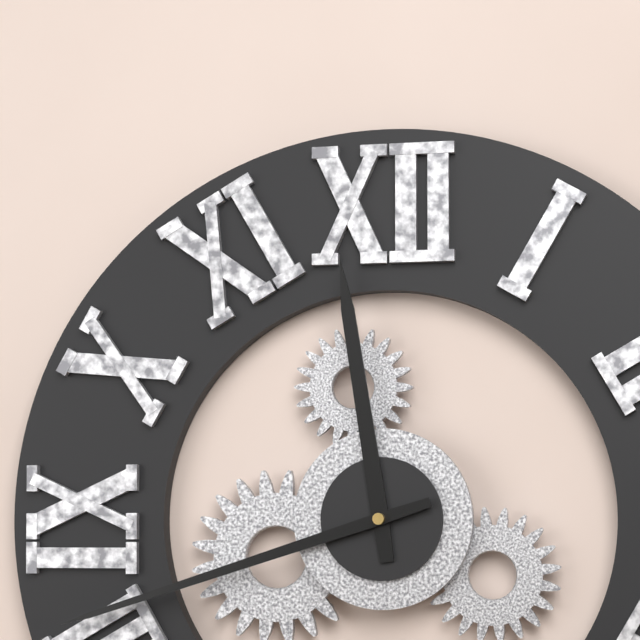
11:42
